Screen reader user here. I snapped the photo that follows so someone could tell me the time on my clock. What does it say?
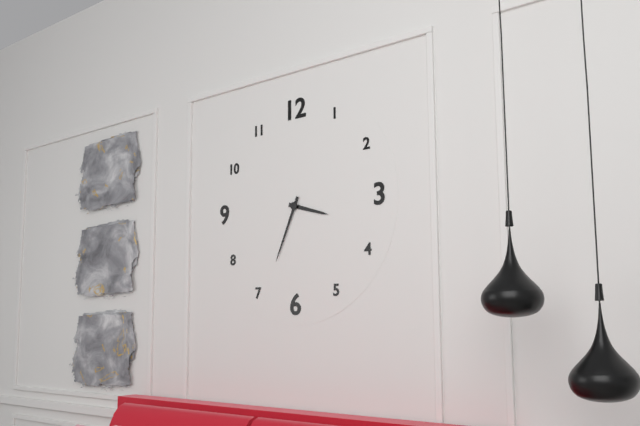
3:34
